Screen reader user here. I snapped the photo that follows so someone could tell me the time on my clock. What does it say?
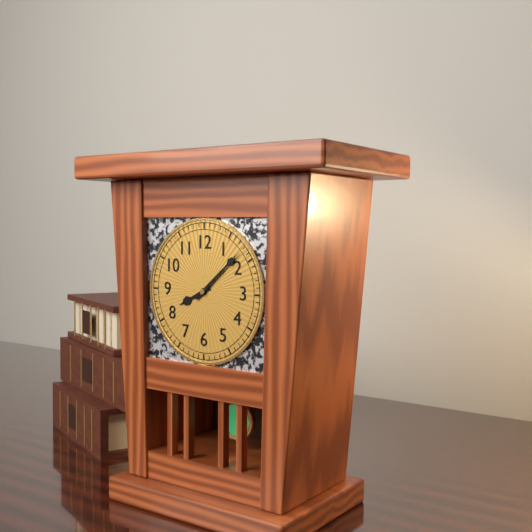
8:08
